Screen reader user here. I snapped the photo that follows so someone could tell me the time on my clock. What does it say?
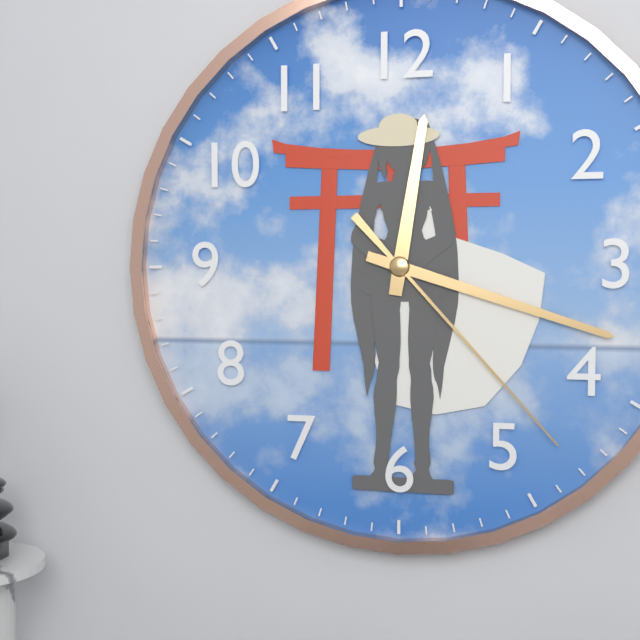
12:18:23
